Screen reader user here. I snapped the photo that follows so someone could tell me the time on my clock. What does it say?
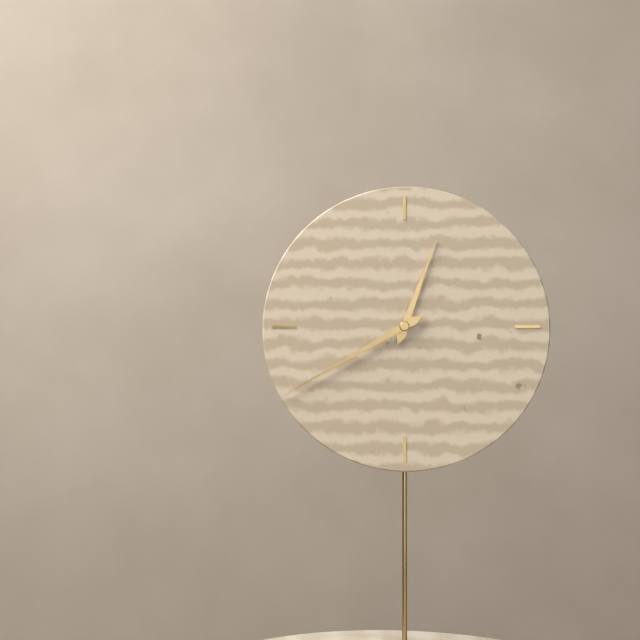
12:40
